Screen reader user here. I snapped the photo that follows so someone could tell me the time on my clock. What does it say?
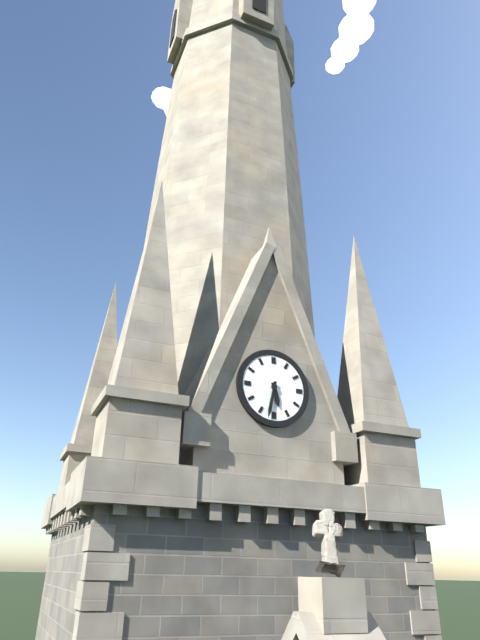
5:32
